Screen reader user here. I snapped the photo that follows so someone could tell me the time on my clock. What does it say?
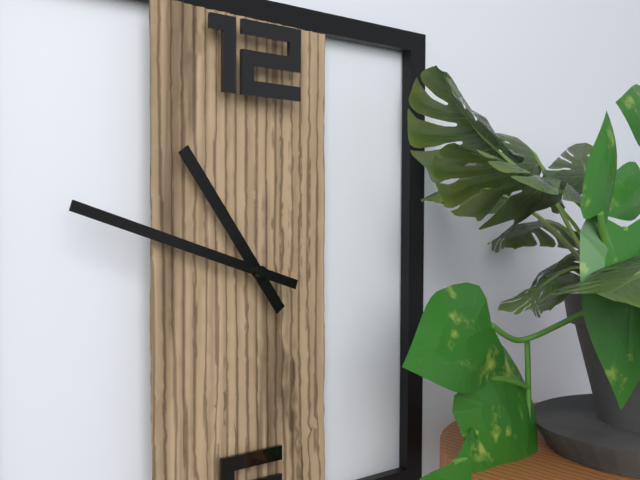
10:48
